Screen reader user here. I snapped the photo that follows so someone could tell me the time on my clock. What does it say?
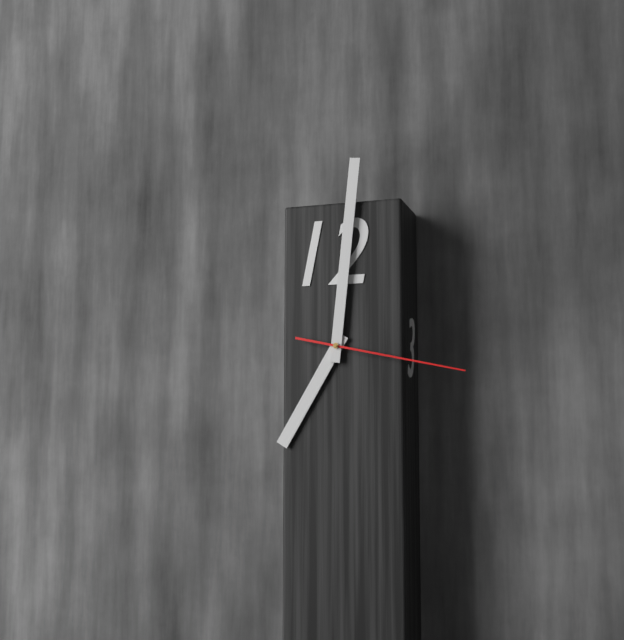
7:01:17
